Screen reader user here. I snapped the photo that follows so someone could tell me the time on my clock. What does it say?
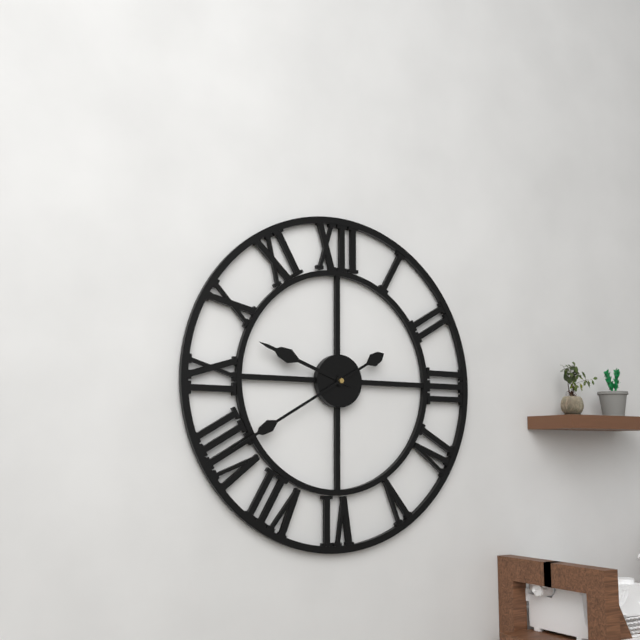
9:40
